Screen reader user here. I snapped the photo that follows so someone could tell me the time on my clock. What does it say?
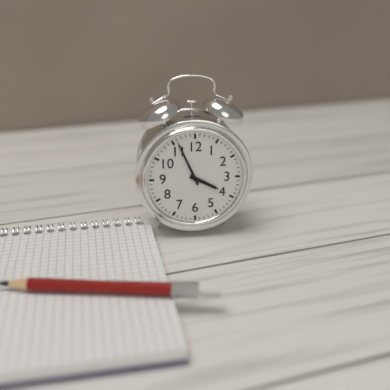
3:56
